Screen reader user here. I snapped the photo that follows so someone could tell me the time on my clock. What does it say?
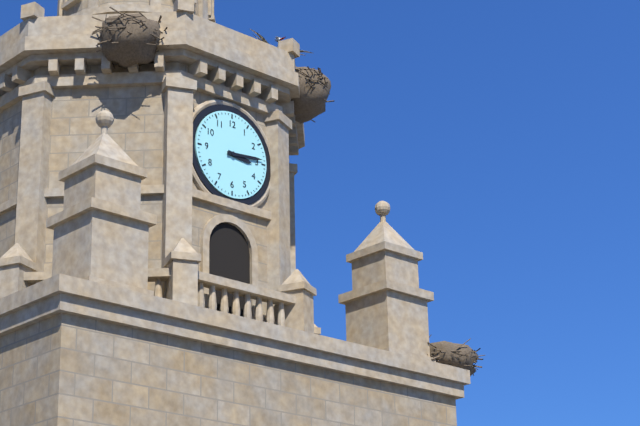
3:14
